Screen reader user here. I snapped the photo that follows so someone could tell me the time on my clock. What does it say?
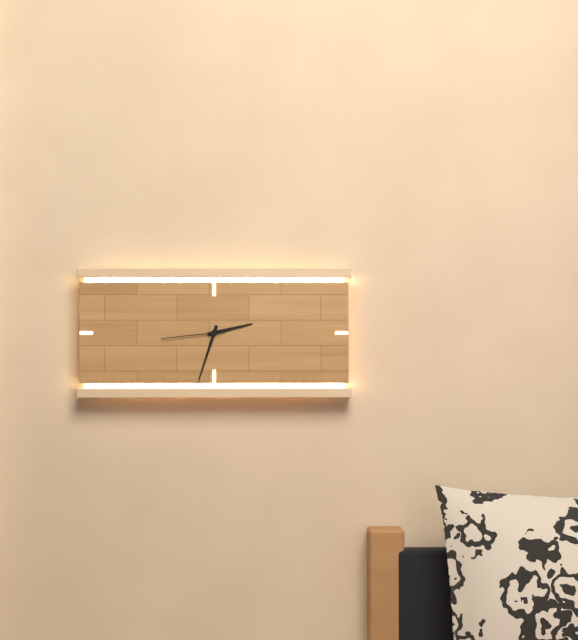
2:33:44
